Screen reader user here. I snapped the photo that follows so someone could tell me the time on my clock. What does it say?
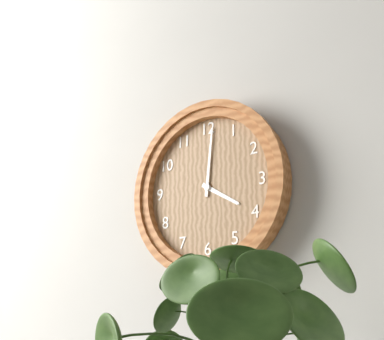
4:01
